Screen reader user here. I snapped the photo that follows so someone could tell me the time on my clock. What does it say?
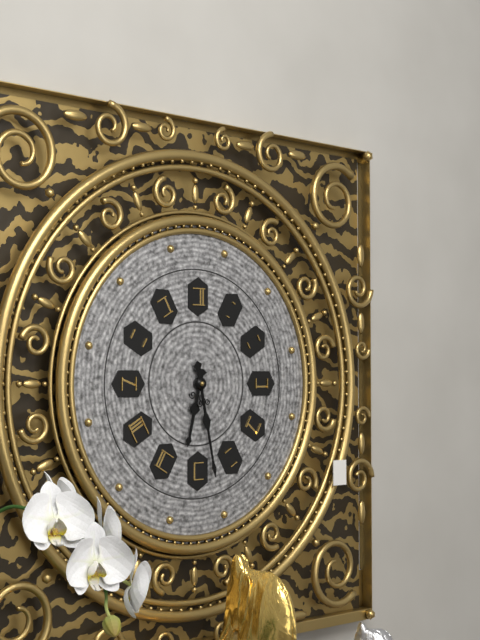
6:28
